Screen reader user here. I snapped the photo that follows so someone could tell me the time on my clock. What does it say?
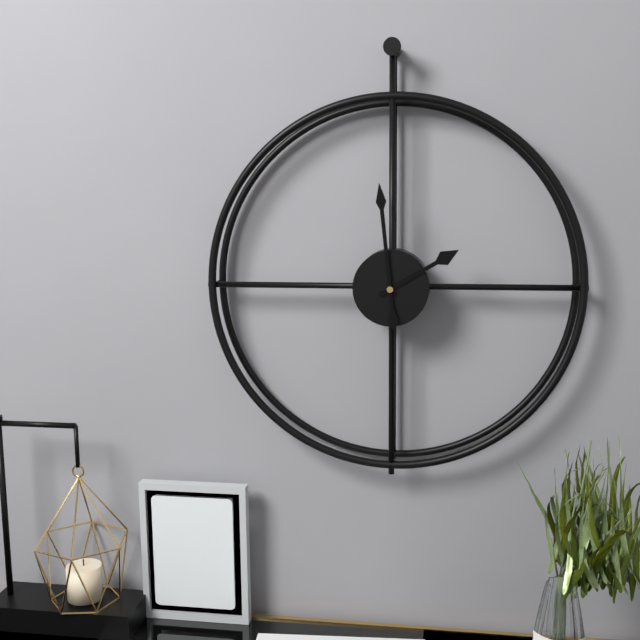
1:59
